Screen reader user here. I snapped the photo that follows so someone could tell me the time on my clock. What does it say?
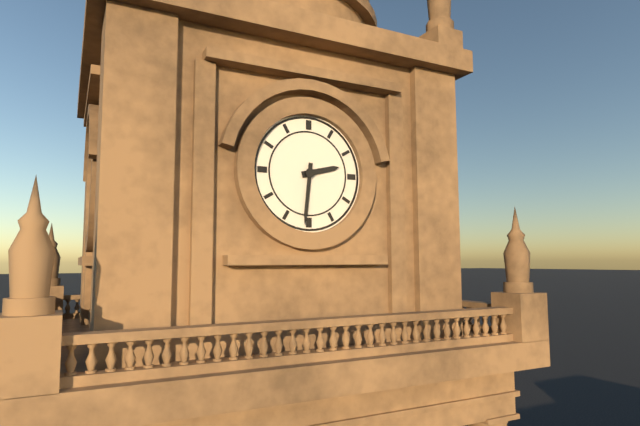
2:31
